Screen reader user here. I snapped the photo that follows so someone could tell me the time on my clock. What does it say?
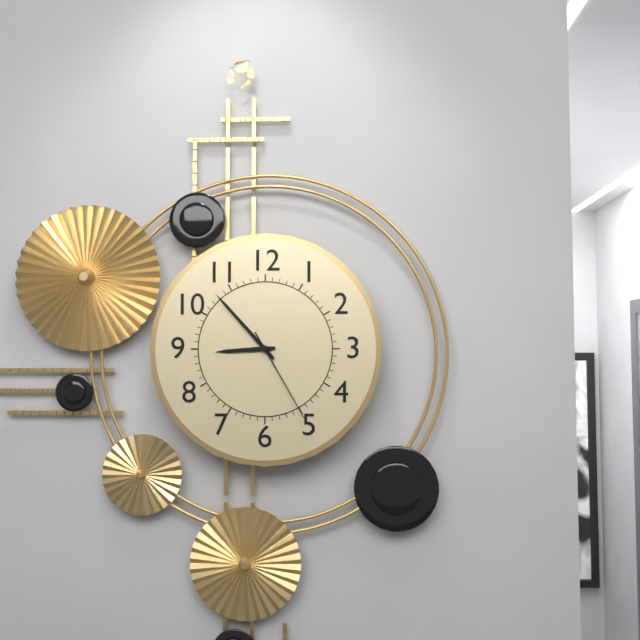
8:53:25
